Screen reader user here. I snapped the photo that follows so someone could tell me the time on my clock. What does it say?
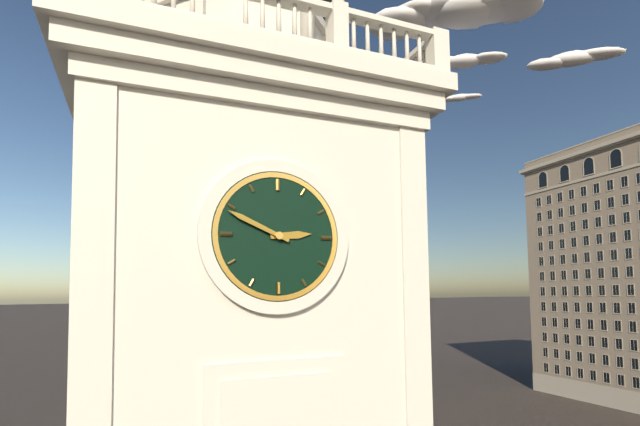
2:49
